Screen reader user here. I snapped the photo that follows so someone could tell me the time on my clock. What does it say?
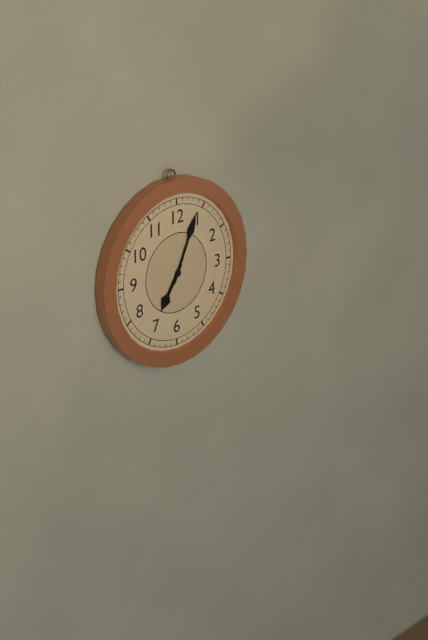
7:04
